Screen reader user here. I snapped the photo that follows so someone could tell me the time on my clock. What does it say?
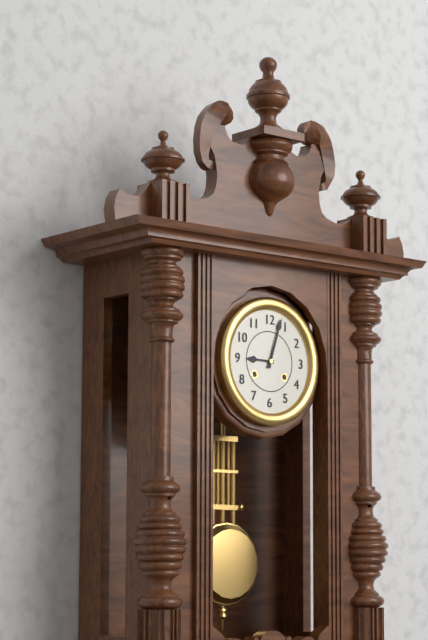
9:03
